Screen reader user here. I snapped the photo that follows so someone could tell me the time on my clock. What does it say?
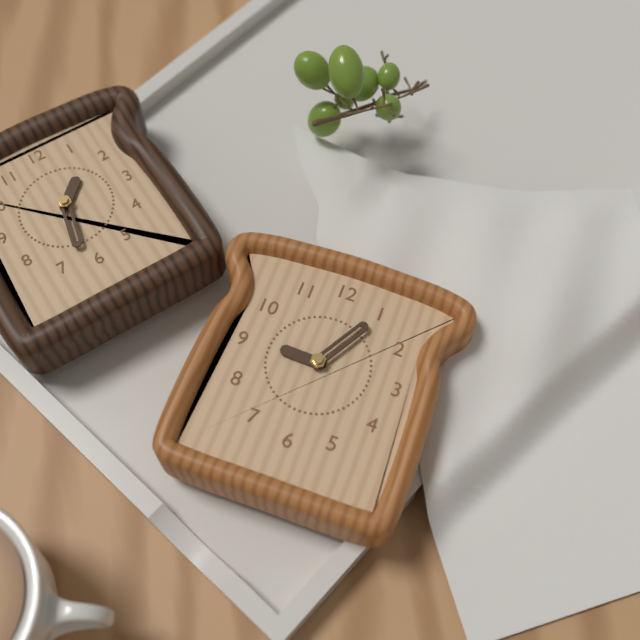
9:05
